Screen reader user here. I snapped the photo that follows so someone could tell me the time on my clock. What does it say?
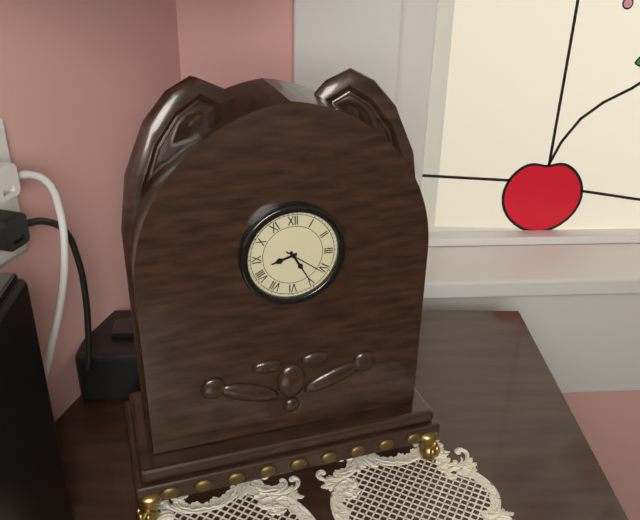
8:25
